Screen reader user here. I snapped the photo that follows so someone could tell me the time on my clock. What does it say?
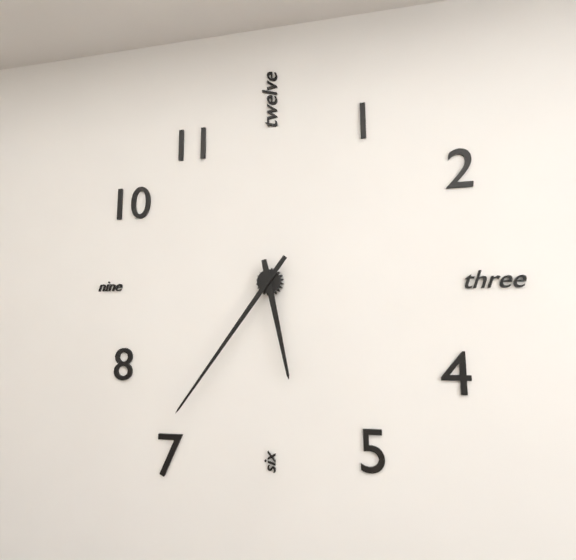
5:36
